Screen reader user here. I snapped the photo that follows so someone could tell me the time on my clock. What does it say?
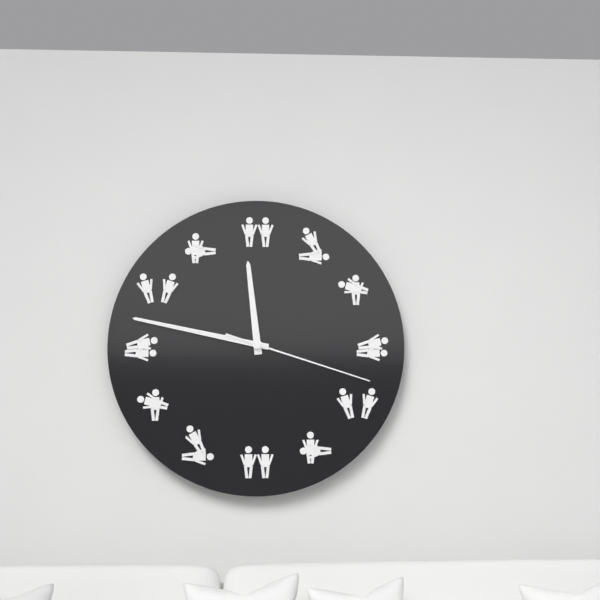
11:47:18
